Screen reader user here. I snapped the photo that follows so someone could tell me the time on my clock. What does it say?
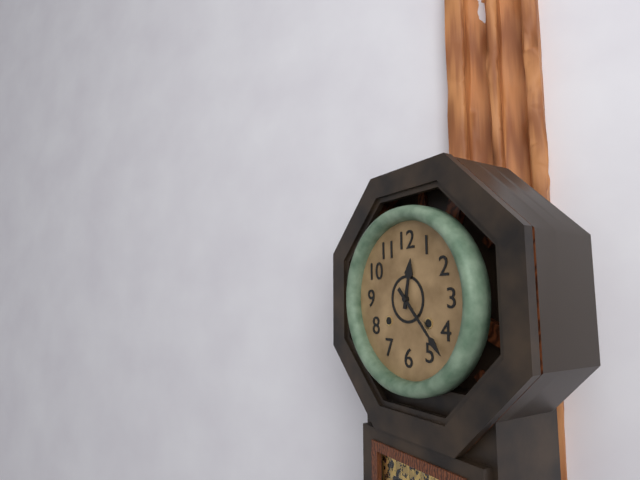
12:23
